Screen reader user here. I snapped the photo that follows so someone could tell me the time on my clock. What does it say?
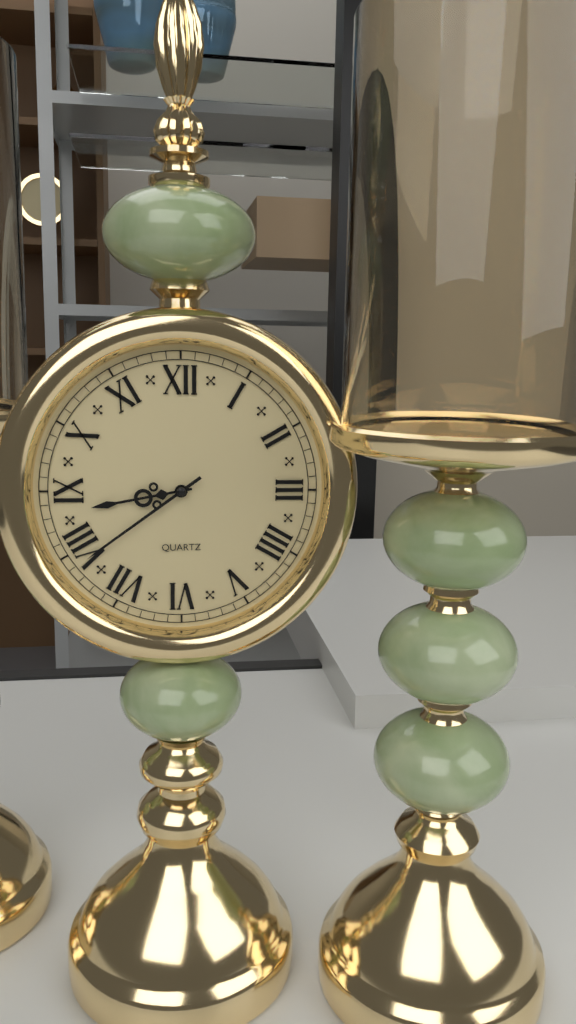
8:39
